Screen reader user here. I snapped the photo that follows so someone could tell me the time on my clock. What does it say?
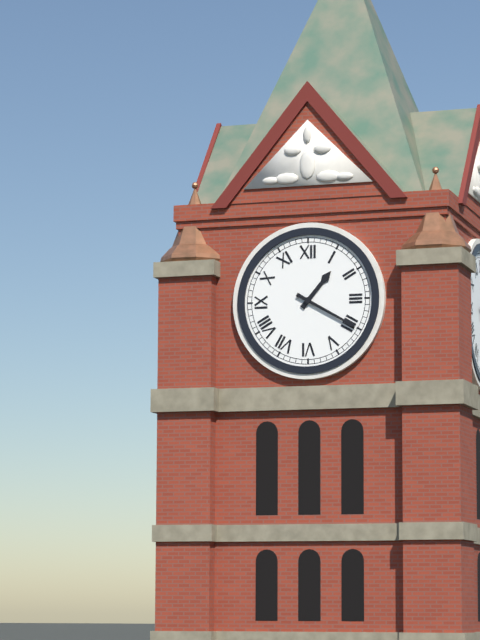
1:20
